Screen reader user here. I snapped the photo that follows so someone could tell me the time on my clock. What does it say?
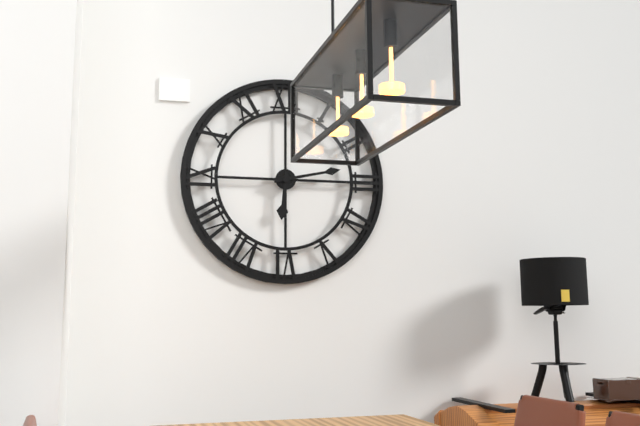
6:13
